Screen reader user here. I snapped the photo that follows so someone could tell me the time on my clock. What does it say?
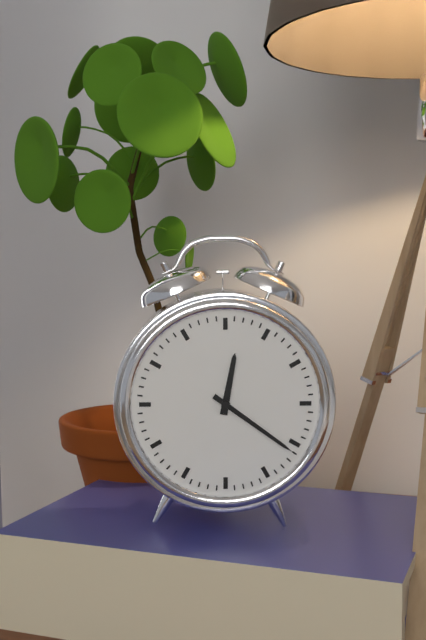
12:21
